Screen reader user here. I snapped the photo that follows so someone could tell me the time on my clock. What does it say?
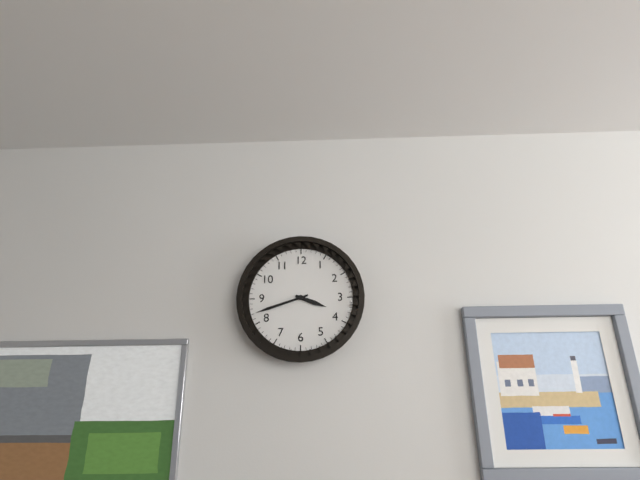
3:42
